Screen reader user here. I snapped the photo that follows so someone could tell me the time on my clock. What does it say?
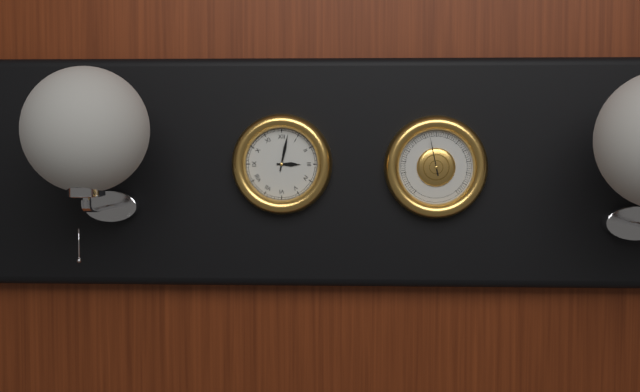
3:02
